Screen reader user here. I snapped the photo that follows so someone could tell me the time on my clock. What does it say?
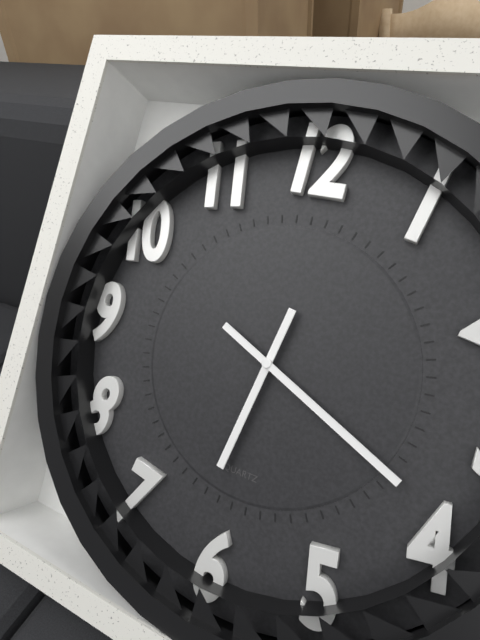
6:19
